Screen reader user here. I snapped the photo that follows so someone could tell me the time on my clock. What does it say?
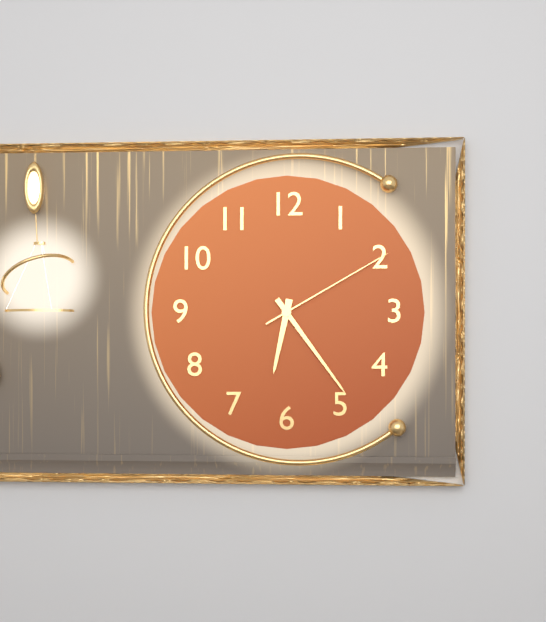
6:24:10
